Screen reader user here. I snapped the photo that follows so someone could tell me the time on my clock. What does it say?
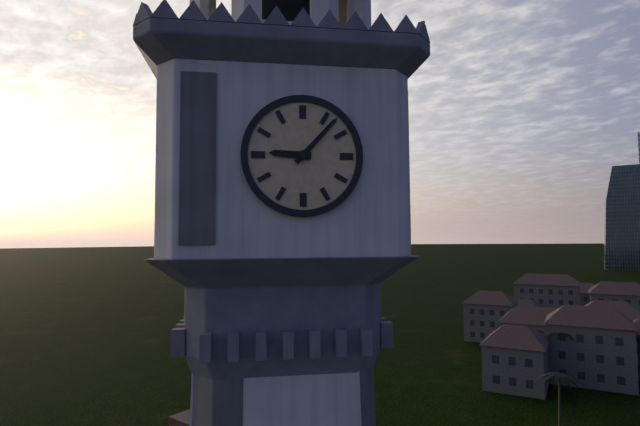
9:07
